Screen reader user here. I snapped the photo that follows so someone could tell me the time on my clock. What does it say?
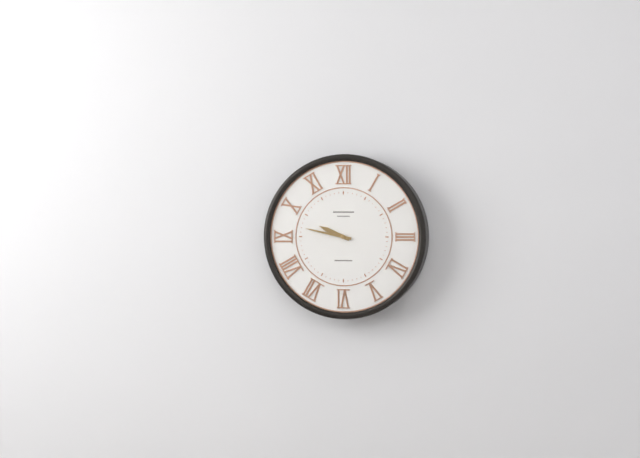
9:47
